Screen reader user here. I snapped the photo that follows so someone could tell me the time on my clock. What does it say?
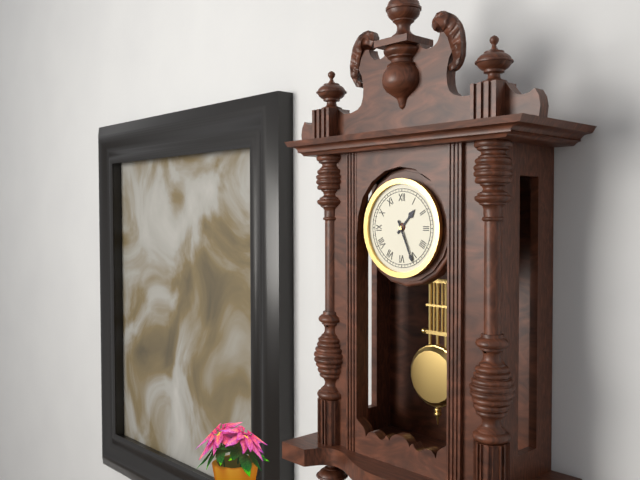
1:26
